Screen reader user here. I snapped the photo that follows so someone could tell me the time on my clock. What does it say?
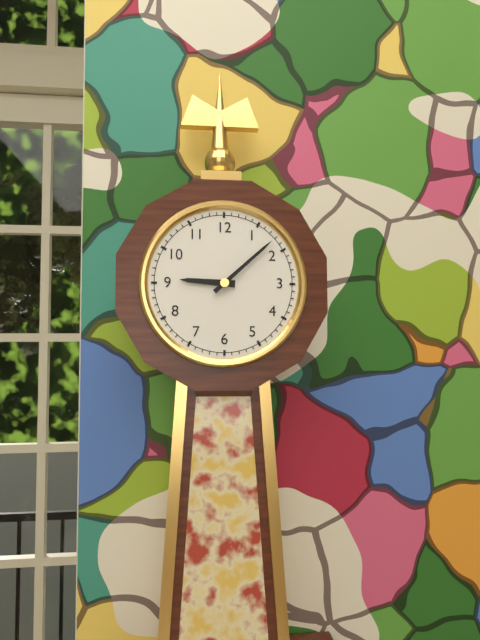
9:08
